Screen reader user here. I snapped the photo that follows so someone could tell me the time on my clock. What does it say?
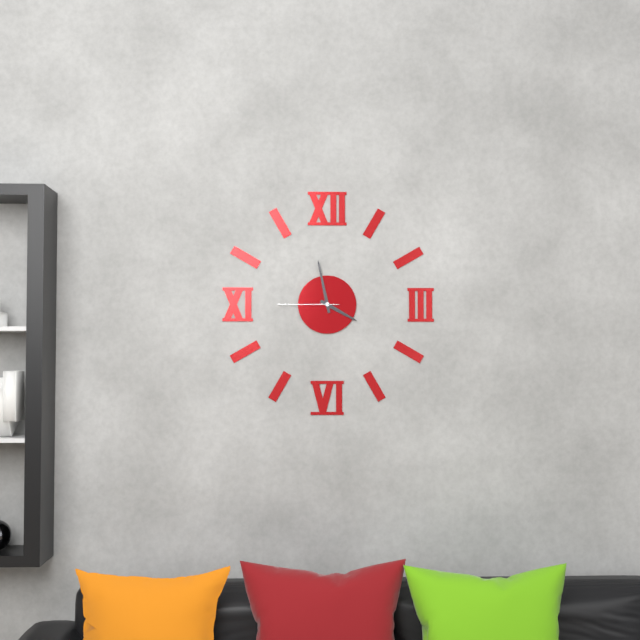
3:58:45
